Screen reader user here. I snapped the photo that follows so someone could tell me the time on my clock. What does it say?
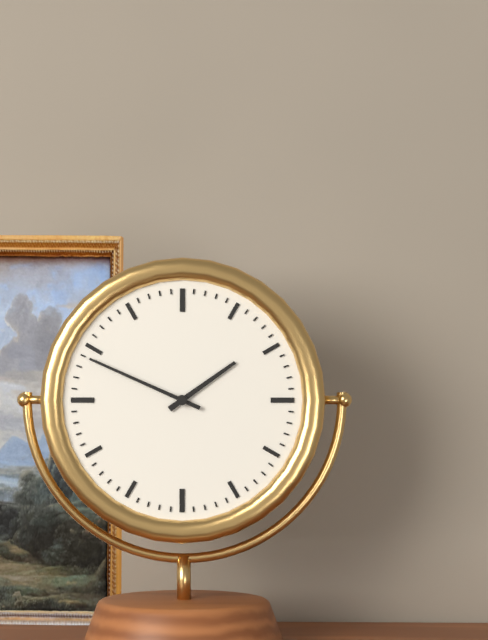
1:49
